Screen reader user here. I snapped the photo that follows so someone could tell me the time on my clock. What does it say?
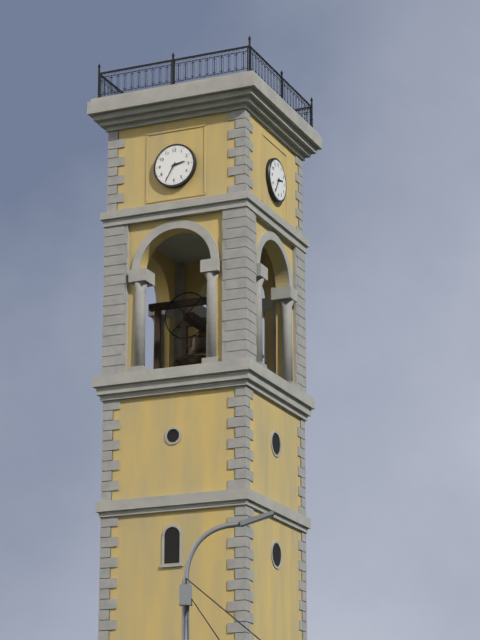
2:35
